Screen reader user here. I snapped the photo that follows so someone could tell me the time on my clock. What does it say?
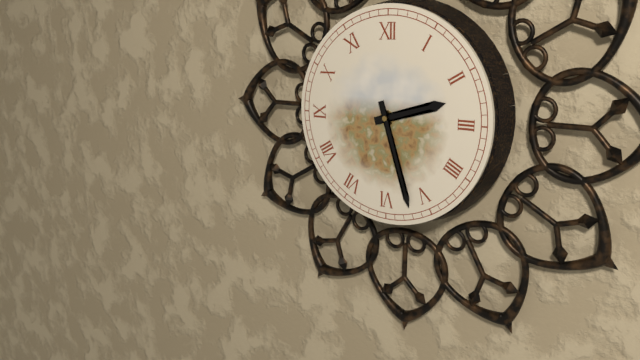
2:27
